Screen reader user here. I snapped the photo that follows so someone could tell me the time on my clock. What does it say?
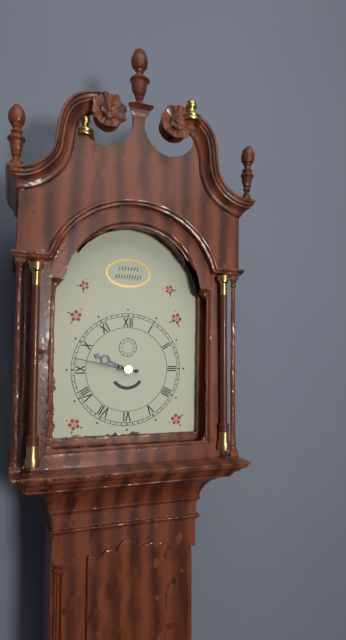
9:47
